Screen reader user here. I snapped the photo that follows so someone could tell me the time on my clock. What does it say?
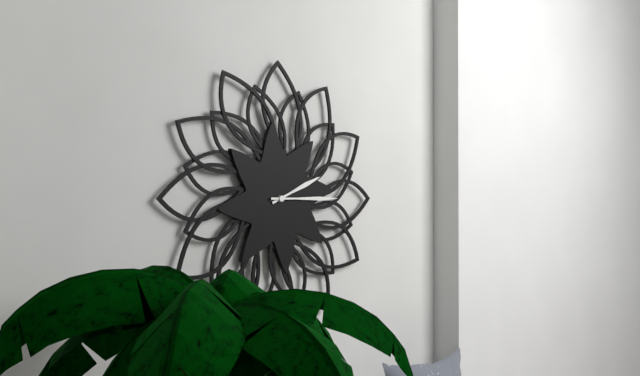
2:15
